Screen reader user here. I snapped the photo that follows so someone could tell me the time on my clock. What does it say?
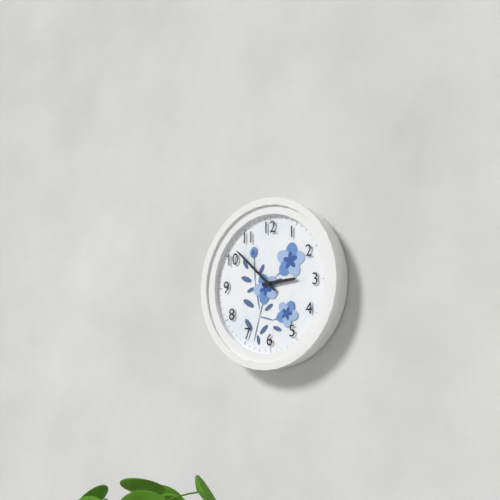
2:52
